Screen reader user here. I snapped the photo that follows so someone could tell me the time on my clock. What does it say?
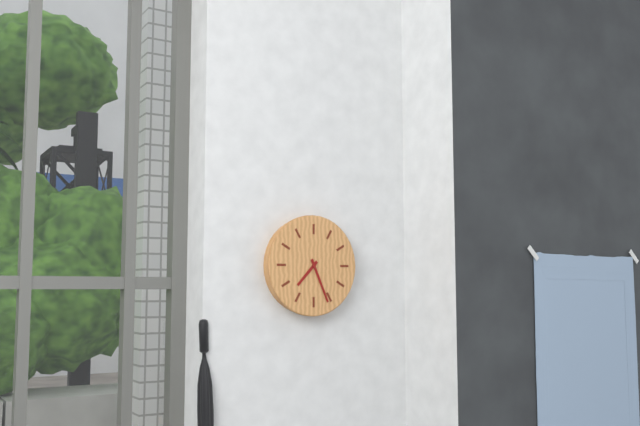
7:26
